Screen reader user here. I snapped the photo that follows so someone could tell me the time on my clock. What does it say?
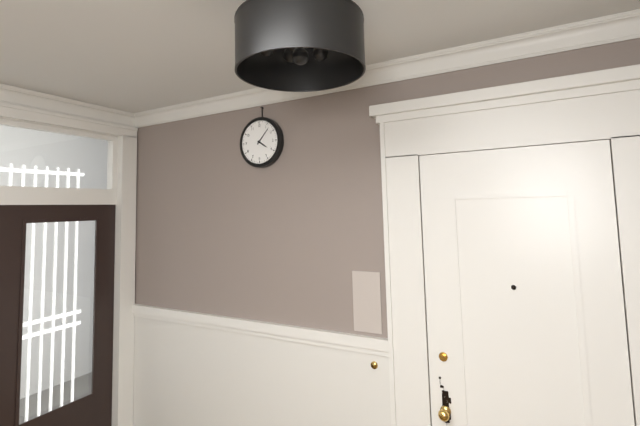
4:07
